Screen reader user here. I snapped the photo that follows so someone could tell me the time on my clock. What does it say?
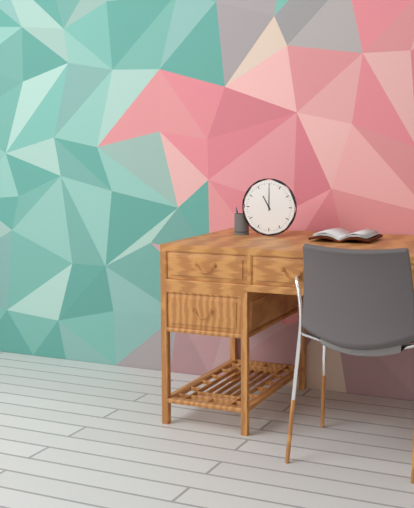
11:00
